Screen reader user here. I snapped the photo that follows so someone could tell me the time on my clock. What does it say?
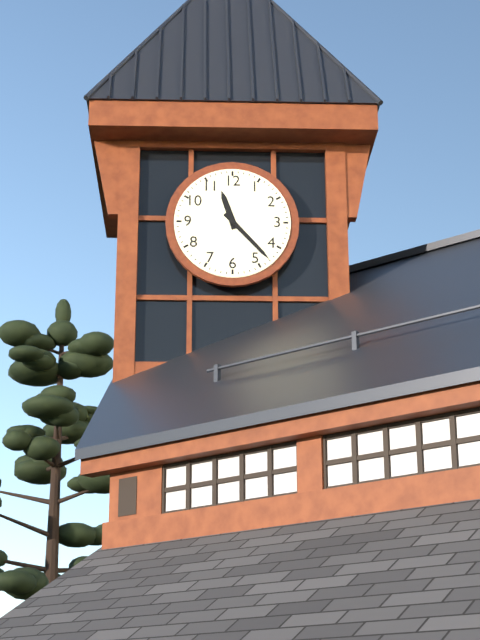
11:23
